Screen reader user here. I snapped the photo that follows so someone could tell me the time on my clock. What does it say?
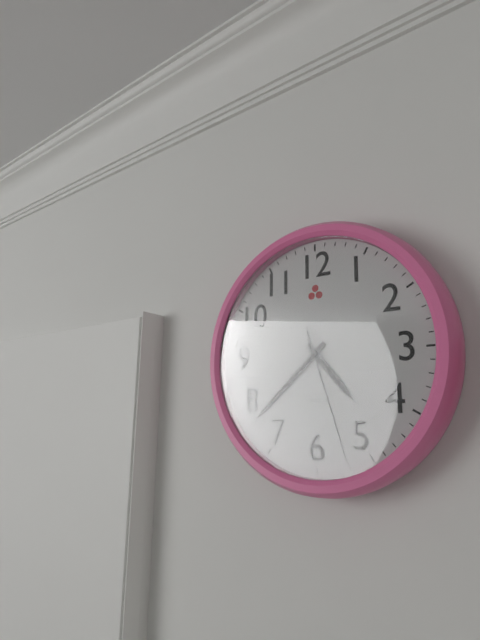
4:38:27
